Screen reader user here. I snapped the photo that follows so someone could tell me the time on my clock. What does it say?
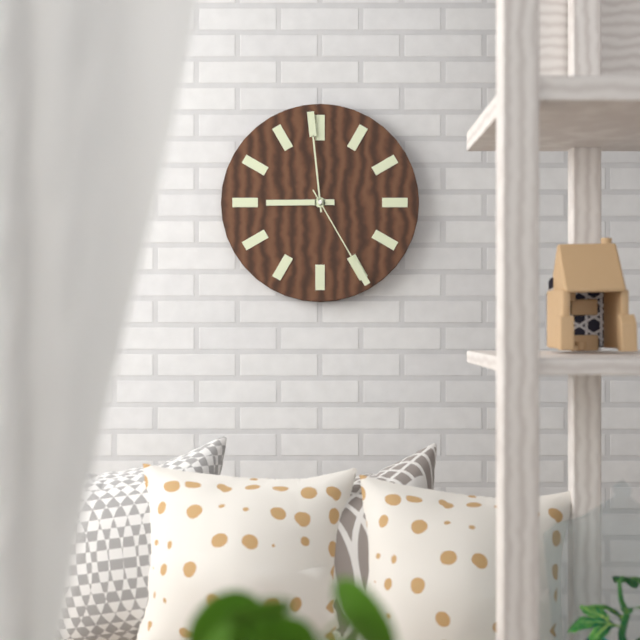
8:59:25
